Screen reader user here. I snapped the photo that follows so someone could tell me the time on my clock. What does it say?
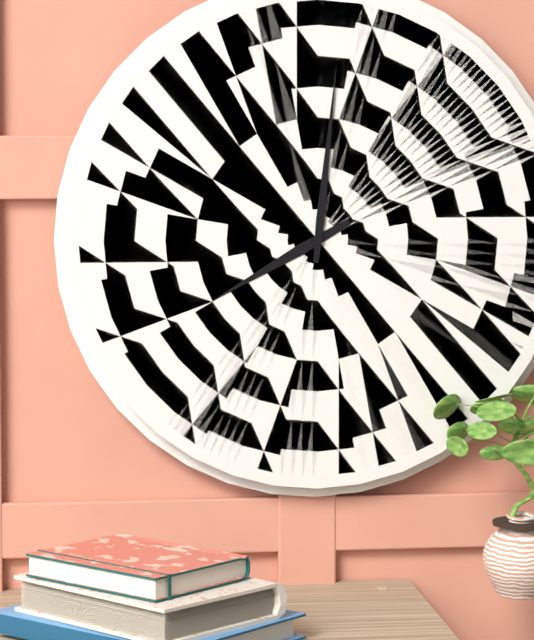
8:01
